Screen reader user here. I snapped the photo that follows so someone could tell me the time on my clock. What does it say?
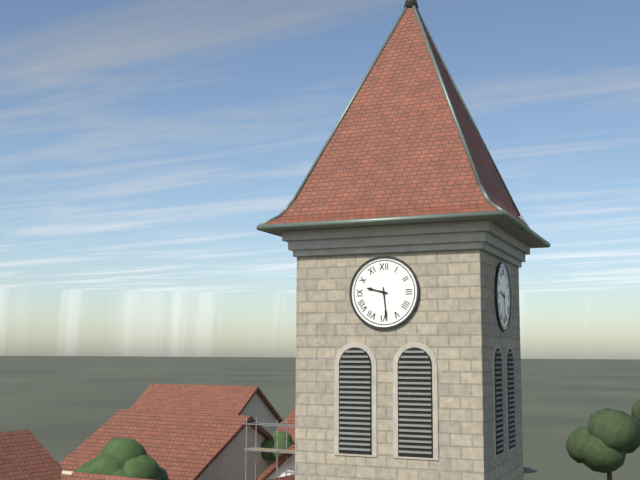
9:29
